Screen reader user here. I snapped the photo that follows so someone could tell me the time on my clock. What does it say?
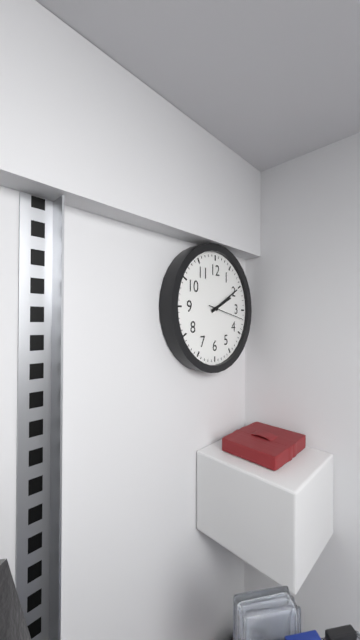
2:10
